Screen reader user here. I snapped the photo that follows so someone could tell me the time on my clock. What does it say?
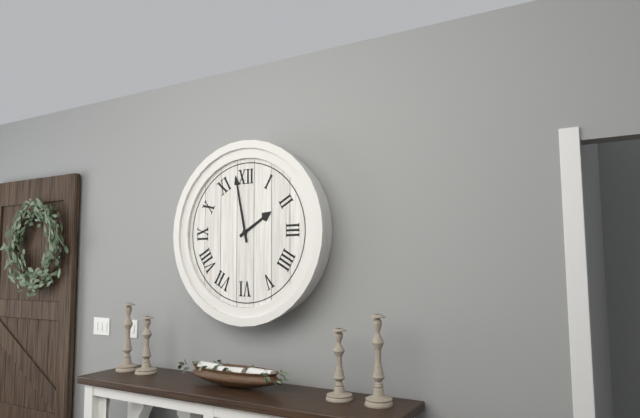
1:58
